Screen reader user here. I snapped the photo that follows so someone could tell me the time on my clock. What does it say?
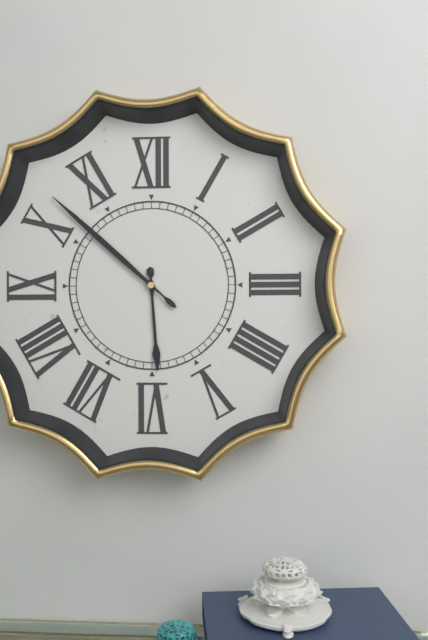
5:52
